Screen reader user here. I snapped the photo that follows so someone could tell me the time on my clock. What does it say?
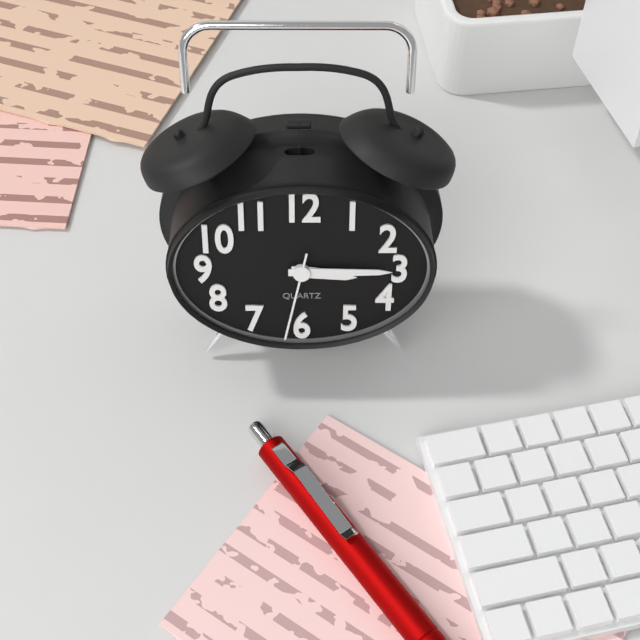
3:15:32
